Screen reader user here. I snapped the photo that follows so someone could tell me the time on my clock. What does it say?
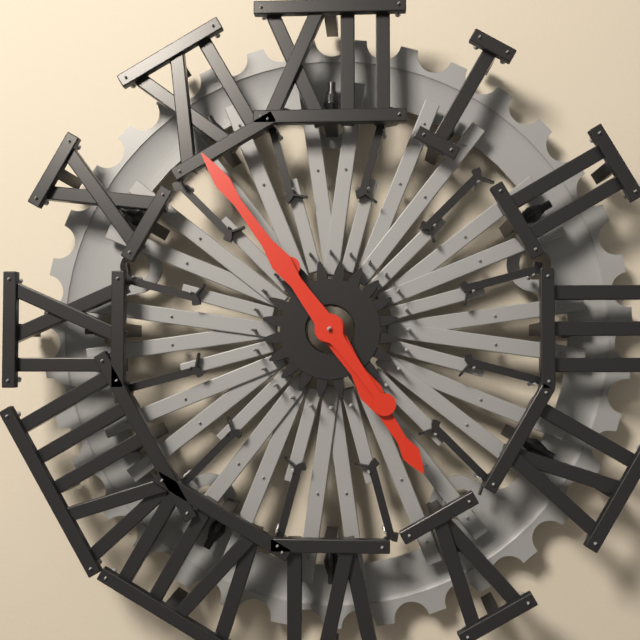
4:54
